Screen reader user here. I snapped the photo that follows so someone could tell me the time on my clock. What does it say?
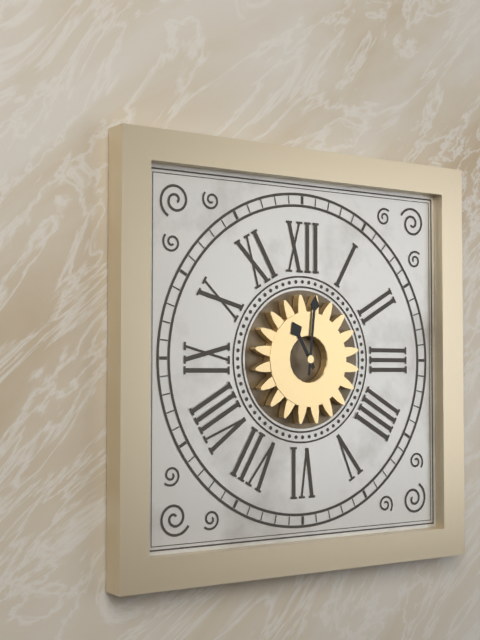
11:01
